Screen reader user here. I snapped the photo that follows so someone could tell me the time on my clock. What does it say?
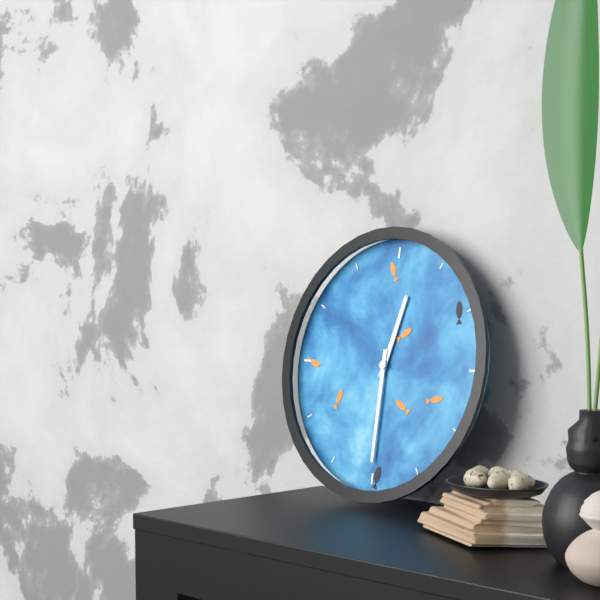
12:30
